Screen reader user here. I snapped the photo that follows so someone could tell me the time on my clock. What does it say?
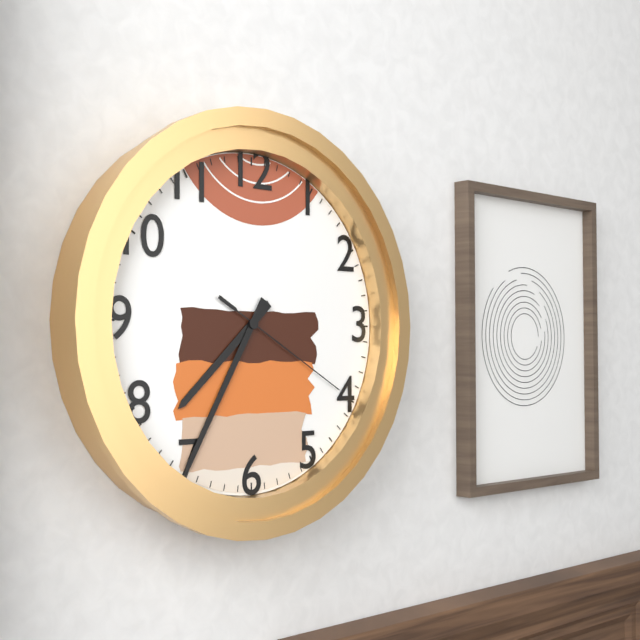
7:35:20
